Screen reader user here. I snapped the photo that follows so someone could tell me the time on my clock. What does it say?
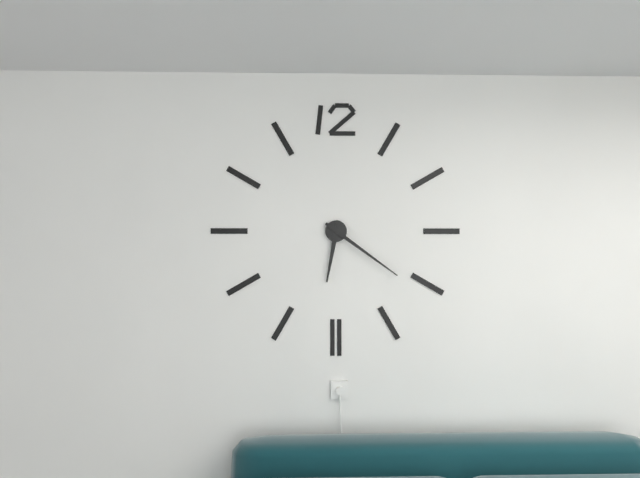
6:21
